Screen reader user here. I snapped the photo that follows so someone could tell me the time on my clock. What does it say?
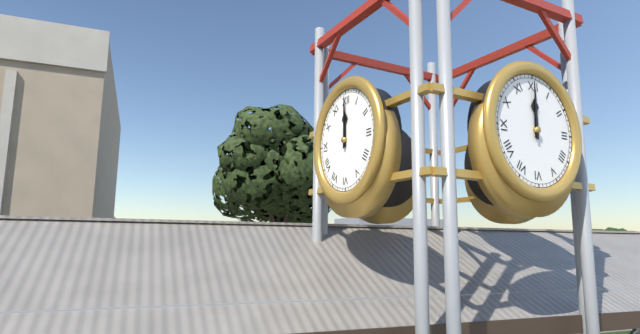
12:00
